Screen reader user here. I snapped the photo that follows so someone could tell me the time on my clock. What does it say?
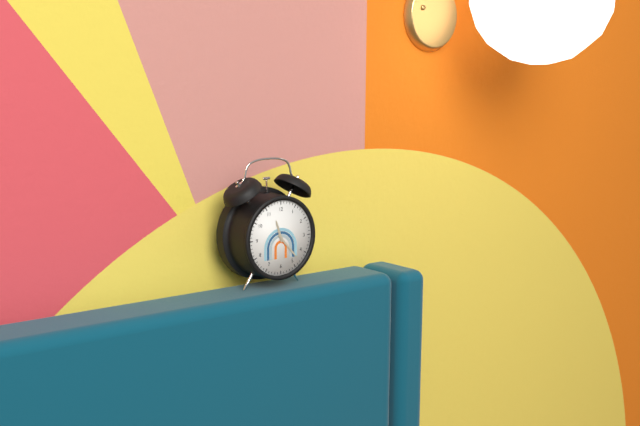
11:23
